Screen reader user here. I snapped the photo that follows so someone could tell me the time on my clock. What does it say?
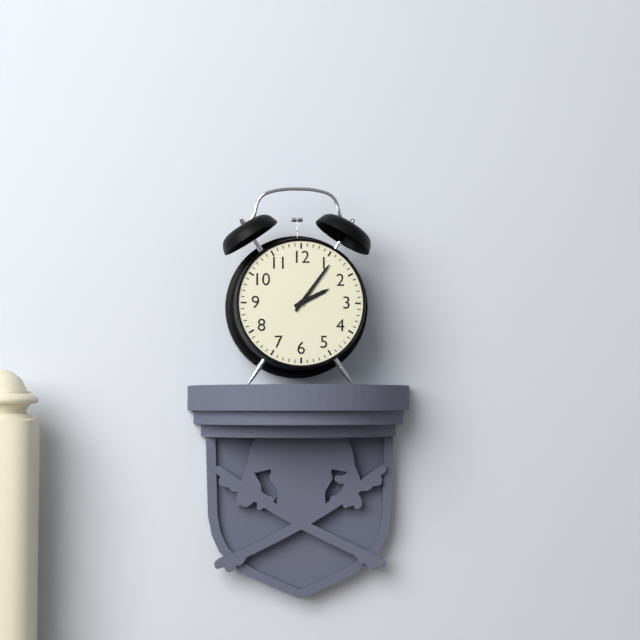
2:06
